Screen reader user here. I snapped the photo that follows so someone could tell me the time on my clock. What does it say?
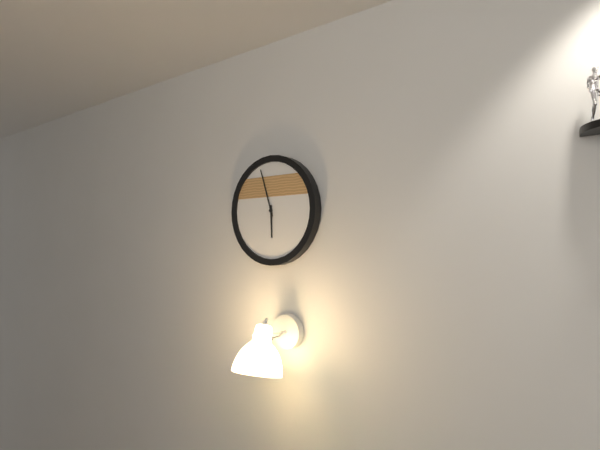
5:57
